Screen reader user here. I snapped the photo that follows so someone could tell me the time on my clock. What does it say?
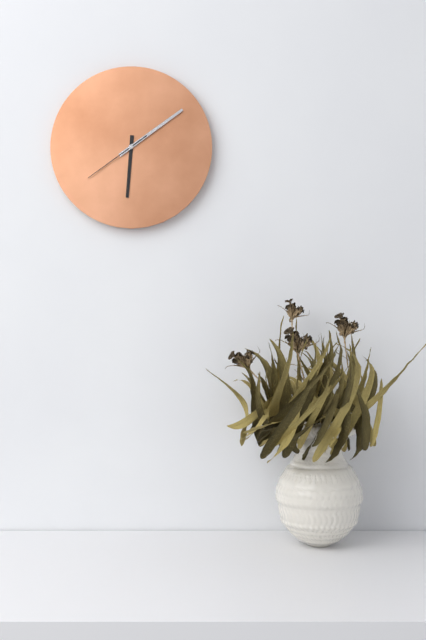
6:09:39
